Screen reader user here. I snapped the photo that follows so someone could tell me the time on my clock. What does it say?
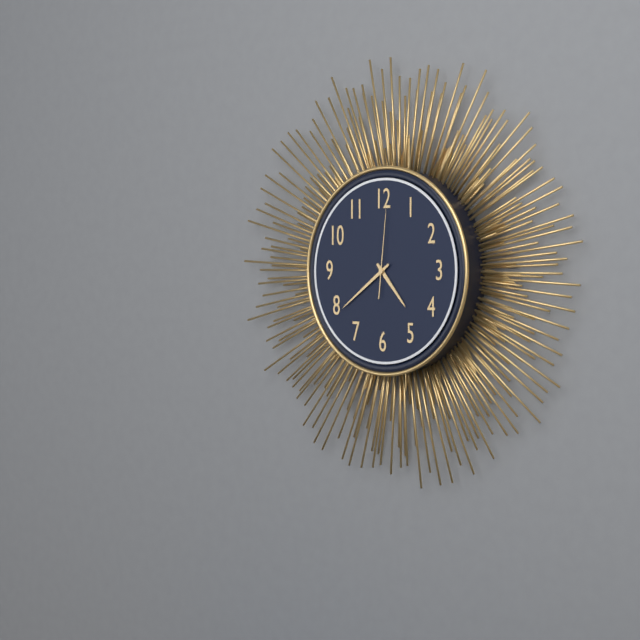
4:39:01
